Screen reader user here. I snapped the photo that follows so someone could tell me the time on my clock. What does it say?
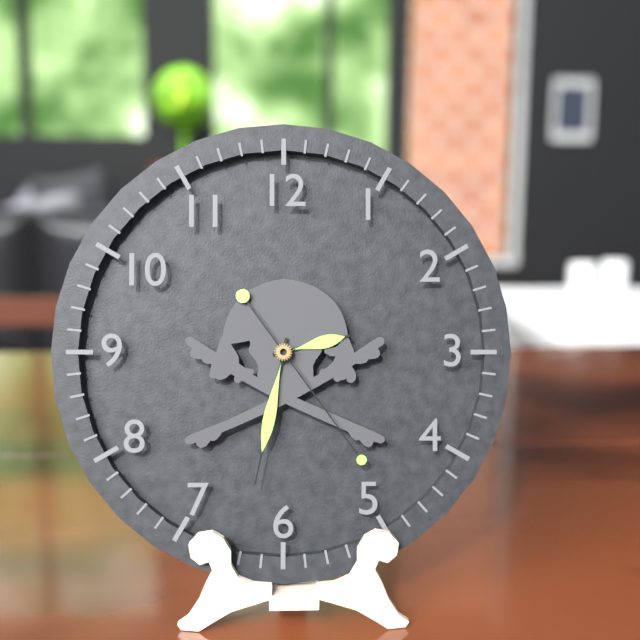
2:32:24
